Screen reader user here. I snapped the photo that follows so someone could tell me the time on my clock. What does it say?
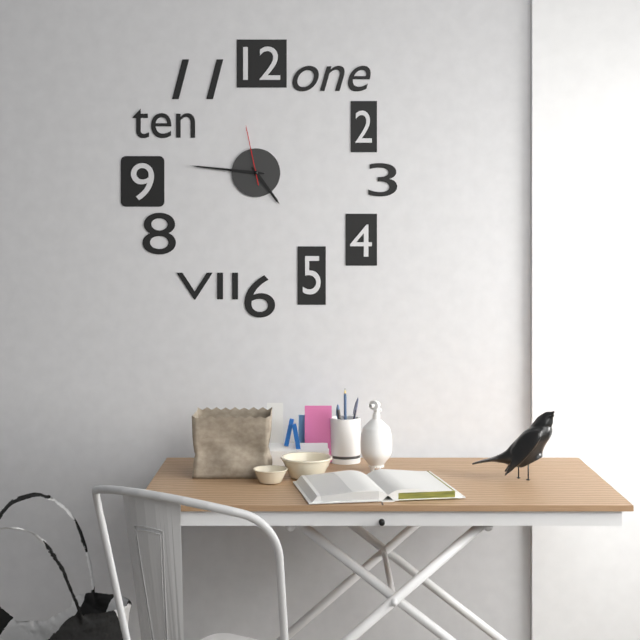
4:46:58
